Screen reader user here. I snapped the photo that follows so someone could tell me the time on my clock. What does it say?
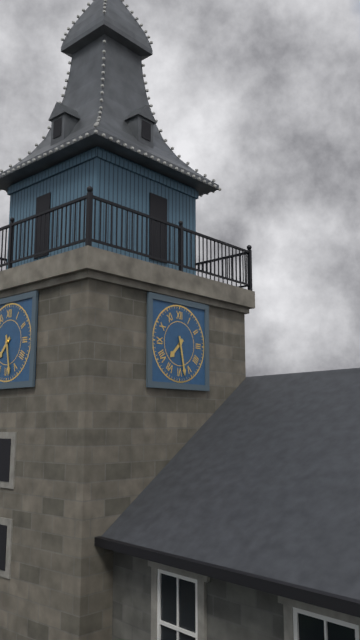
7:28
